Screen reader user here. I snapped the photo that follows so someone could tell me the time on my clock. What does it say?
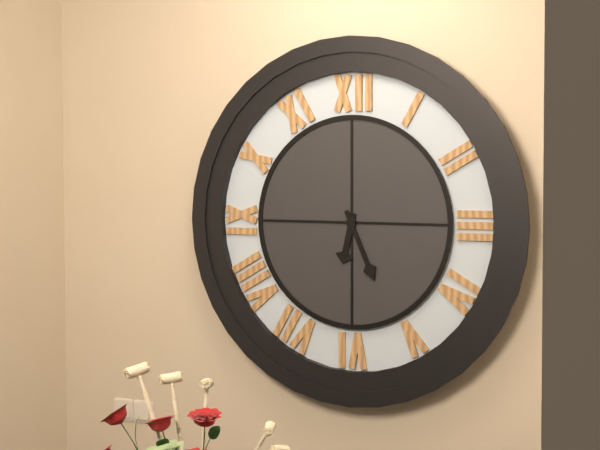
6:26
